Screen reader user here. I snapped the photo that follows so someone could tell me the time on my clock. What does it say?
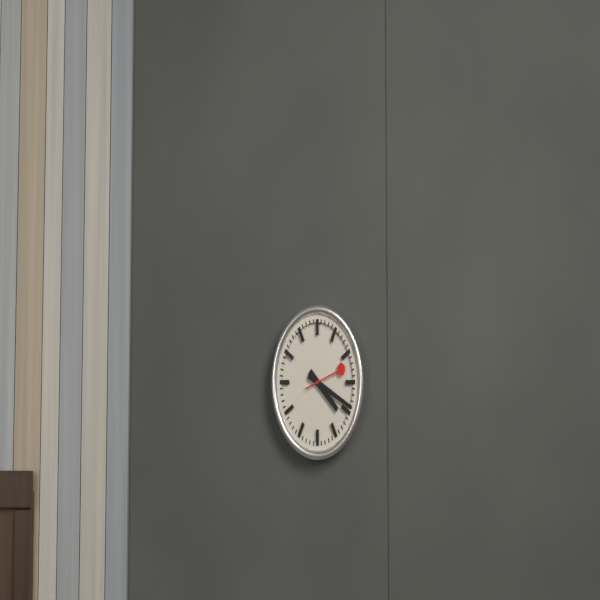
4:19
